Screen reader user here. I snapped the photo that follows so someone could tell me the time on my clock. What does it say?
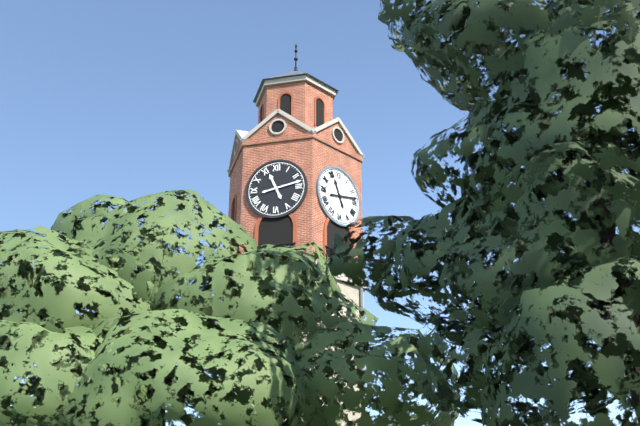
11:13
